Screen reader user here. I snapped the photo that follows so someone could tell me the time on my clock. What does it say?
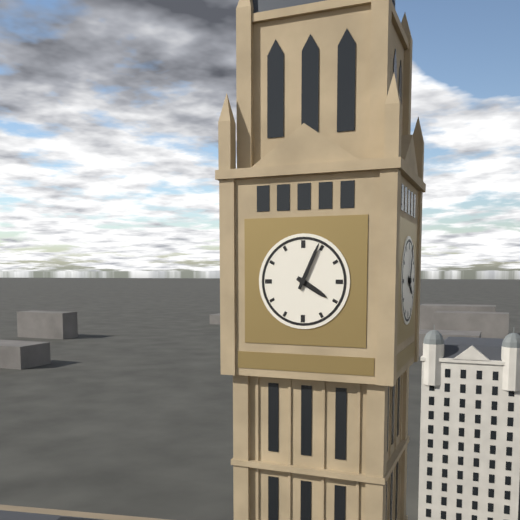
4:04
